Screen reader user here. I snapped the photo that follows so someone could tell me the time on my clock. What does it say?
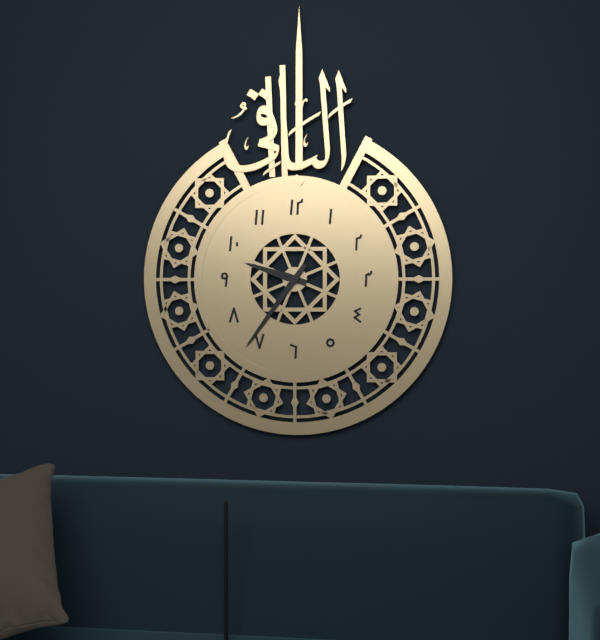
9:36
